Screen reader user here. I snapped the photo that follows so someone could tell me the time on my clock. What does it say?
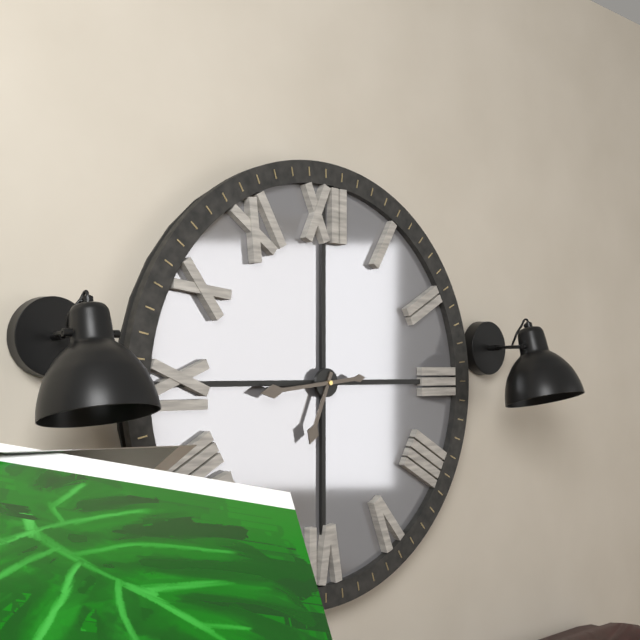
6:44
